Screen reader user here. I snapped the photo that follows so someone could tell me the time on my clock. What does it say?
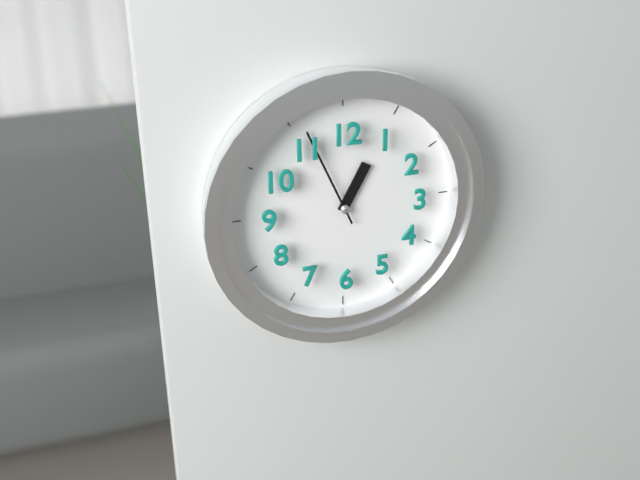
12:56
